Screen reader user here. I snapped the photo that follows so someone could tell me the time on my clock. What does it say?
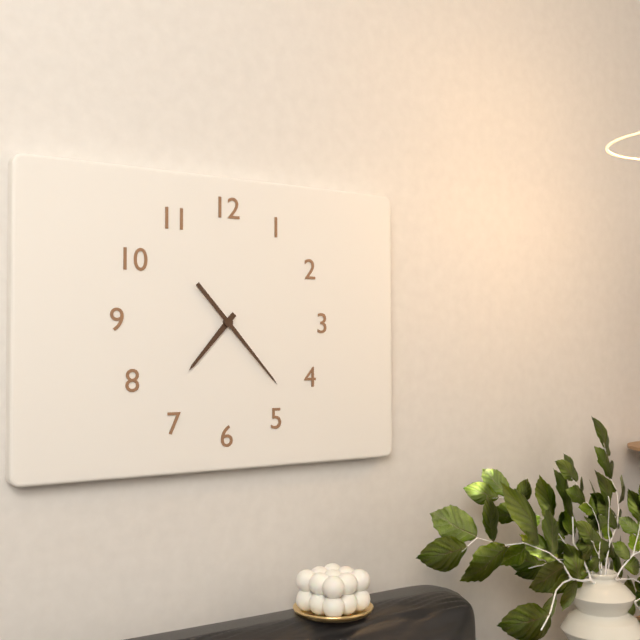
7:23
